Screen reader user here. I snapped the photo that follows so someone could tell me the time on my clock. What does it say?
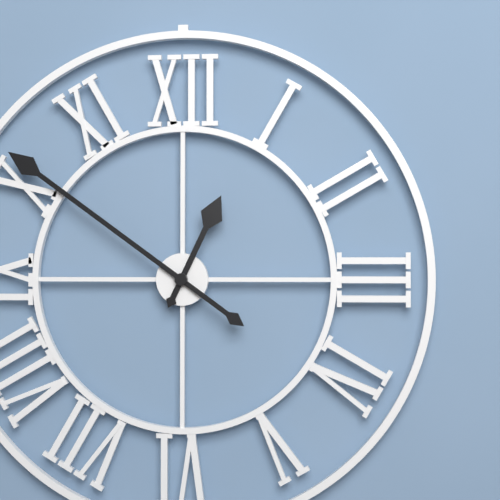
12:51
